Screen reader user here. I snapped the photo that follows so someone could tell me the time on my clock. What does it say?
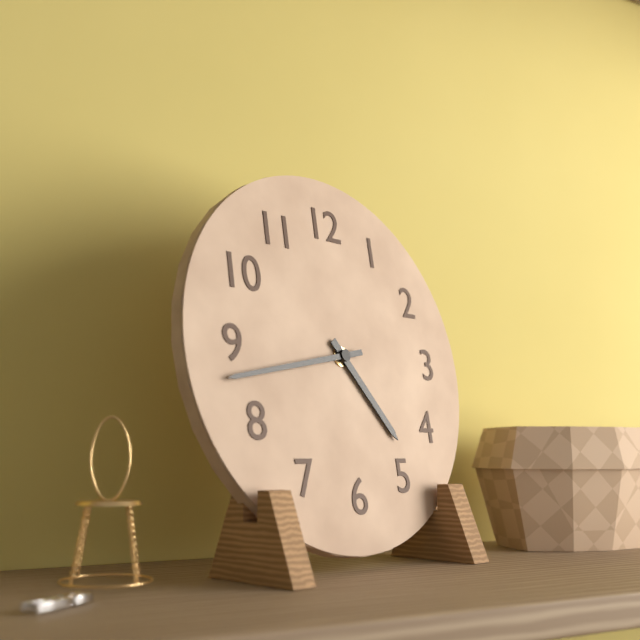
4:43
